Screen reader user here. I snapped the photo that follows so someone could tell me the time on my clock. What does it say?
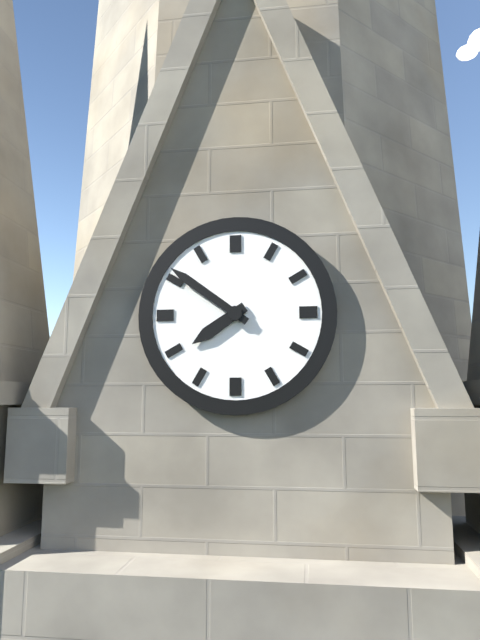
7:51
